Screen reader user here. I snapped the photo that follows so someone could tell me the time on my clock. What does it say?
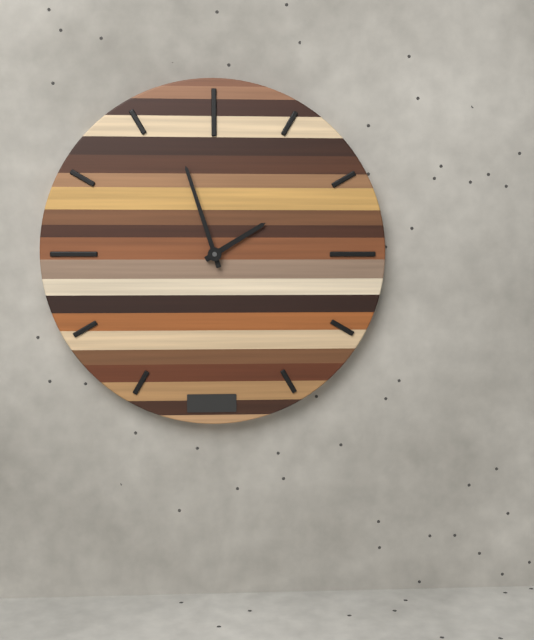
1:57
